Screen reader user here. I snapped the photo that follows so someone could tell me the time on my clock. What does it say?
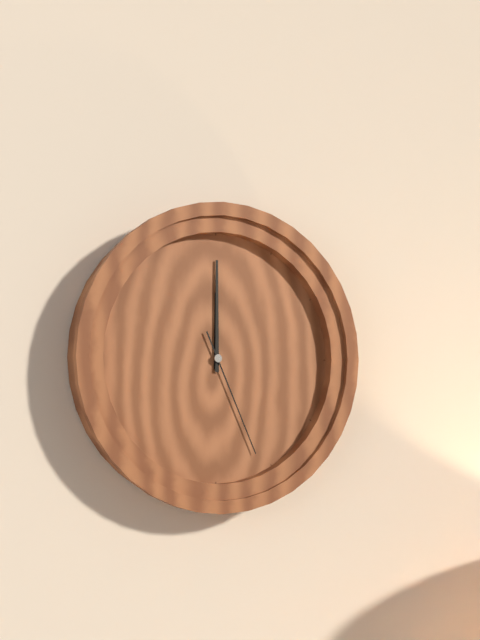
12:00:26
